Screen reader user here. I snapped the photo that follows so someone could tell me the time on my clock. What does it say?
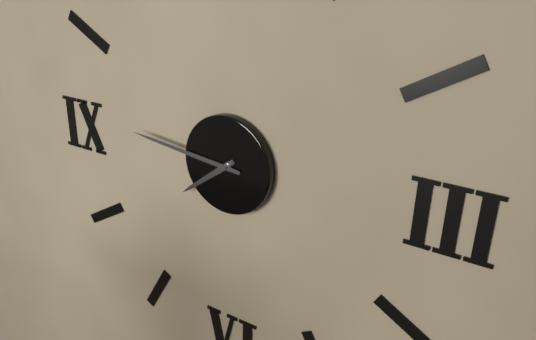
7:46
